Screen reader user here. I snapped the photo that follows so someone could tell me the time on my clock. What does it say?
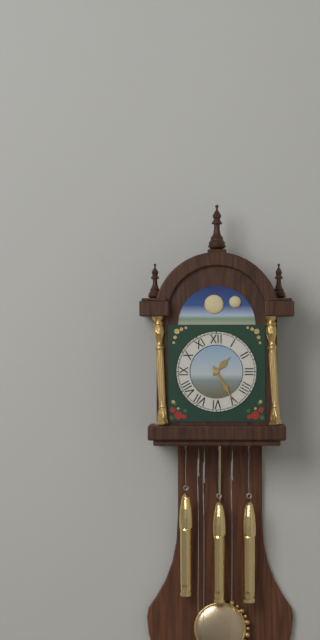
1:25
